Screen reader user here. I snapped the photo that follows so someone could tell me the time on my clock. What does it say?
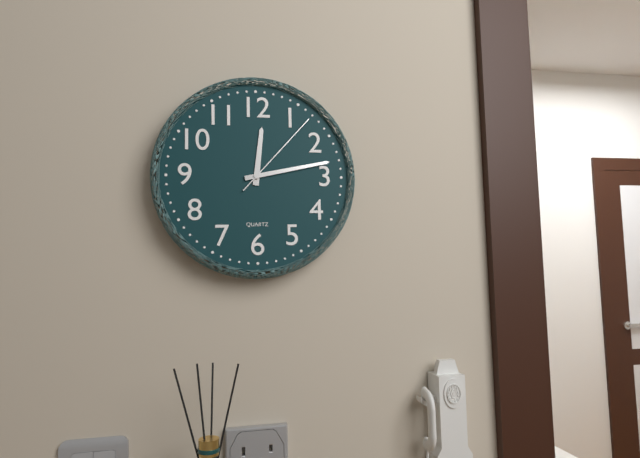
12:13:07
